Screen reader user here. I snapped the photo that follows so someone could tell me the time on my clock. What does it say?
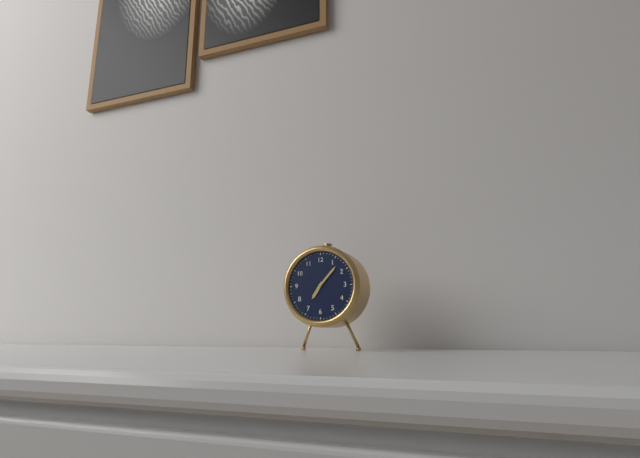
7:07
